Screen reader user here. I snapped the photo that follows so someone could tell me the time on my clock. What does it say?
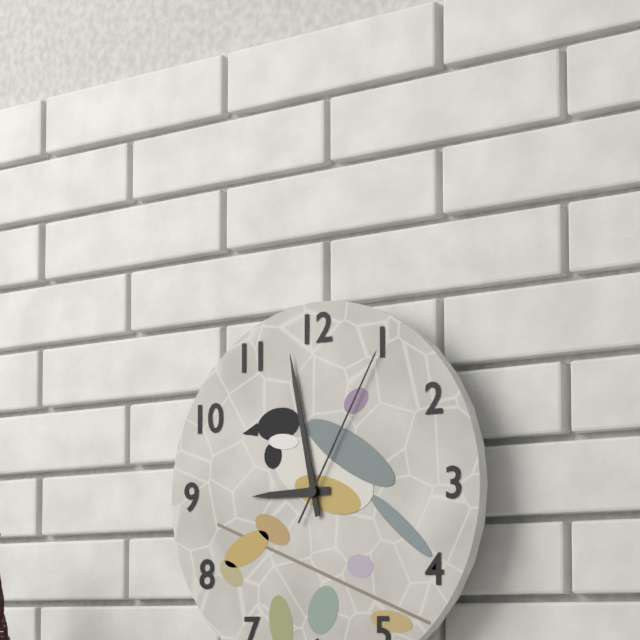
8:58:05
